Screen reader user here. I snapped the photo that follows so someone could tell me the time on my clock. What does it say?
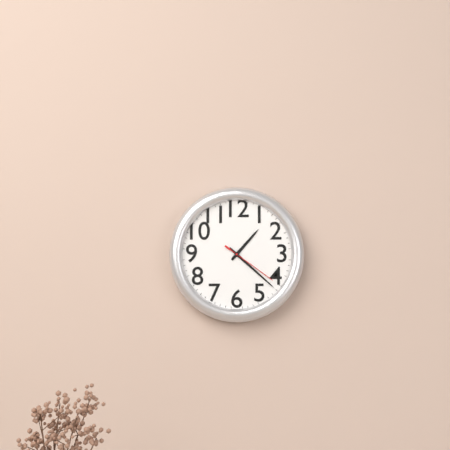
1:22:21
